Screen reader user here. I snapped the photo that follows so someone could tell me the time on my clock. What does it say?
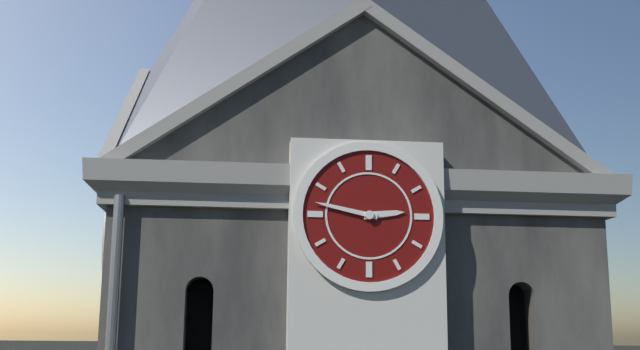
2:47
